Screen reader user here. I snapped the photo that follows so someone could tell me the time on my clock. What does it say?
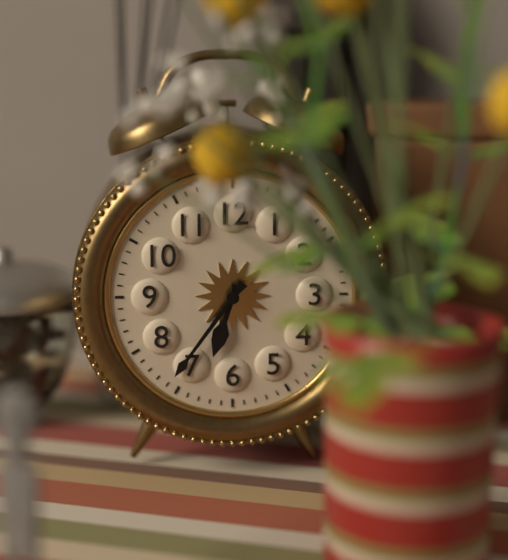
6:36
